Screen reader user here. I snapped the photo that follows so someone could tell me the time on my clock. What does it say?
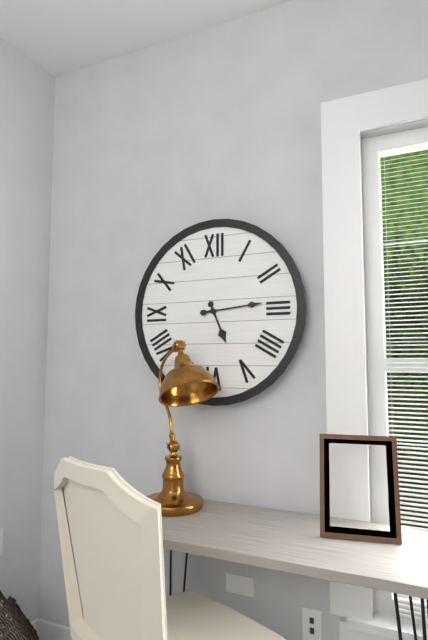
5:14
